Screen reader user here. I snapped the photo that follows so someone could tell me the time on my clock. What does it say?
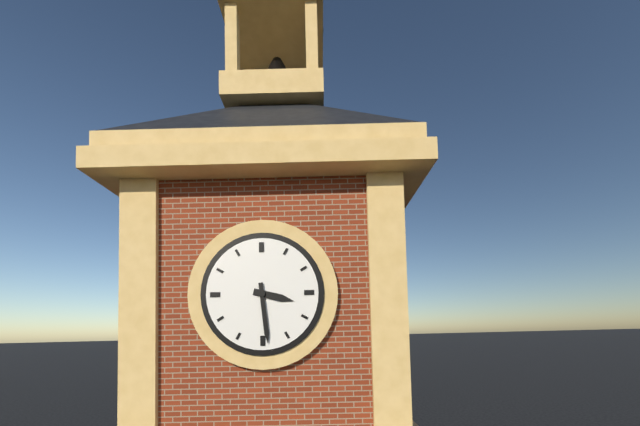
3:29
